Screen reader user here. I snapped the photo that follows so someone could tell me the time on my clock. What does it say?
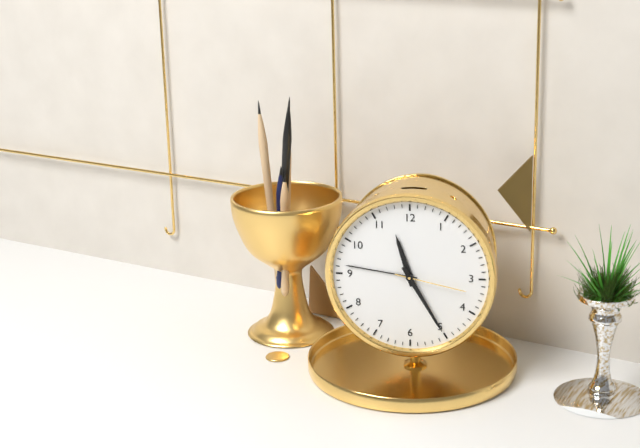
11:25:17
